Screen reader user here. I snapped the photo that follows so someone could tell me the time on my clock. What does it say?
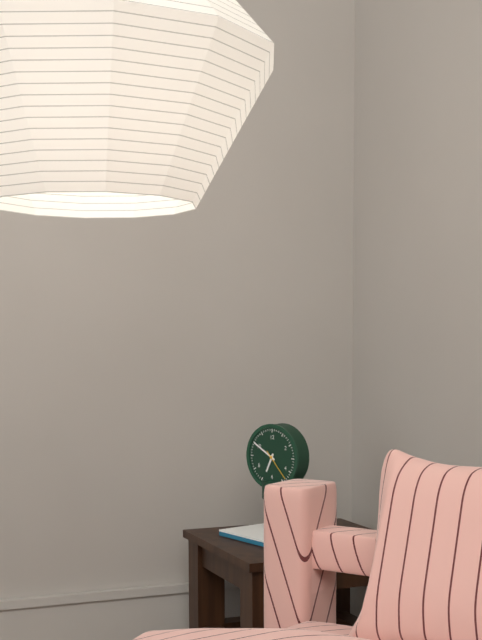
6:50
